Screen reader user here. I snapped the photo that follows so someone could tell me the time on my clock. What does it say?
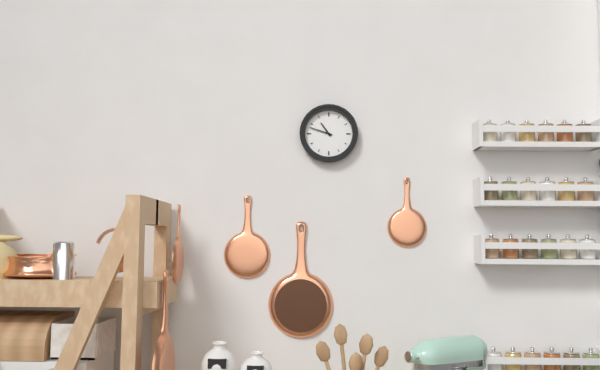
10:48
